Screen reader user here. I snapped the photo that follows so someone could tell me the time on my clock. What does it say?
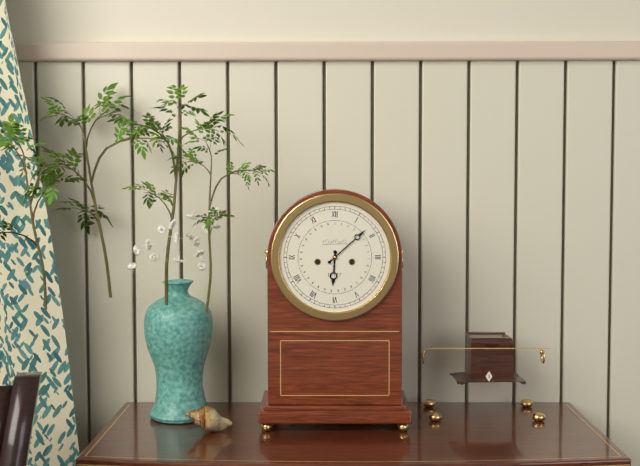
6:08
